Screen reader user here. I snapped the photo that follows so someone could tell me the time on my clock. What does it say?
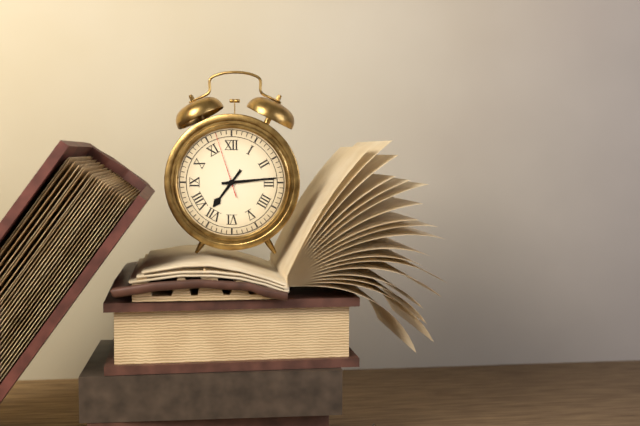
7:14:57
